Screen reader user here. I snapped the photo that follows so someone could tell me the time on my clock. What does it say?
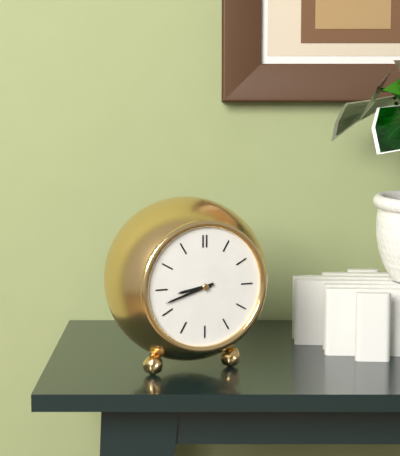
8:42
